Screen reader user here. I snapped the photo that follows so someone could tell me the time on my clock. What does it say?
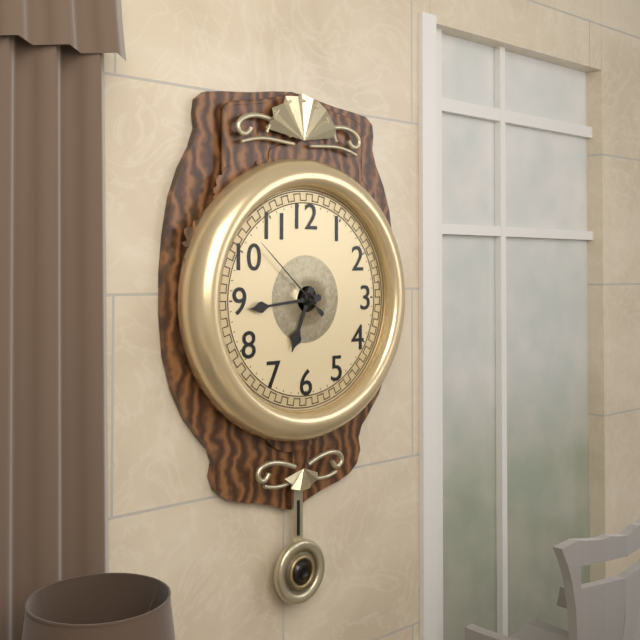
6:44:52
